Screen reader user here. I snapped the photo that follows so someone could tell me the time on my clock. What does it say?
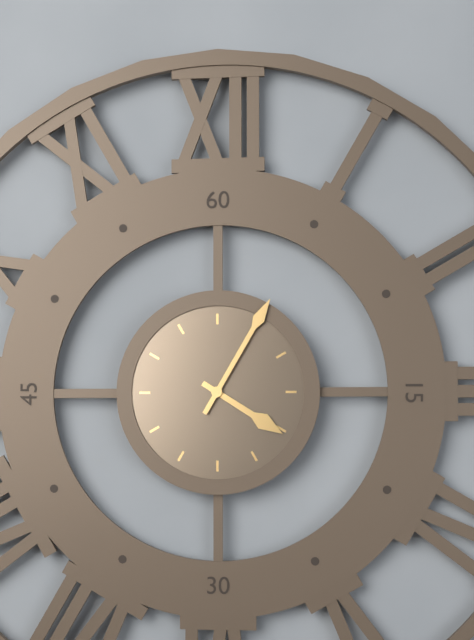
4:05
